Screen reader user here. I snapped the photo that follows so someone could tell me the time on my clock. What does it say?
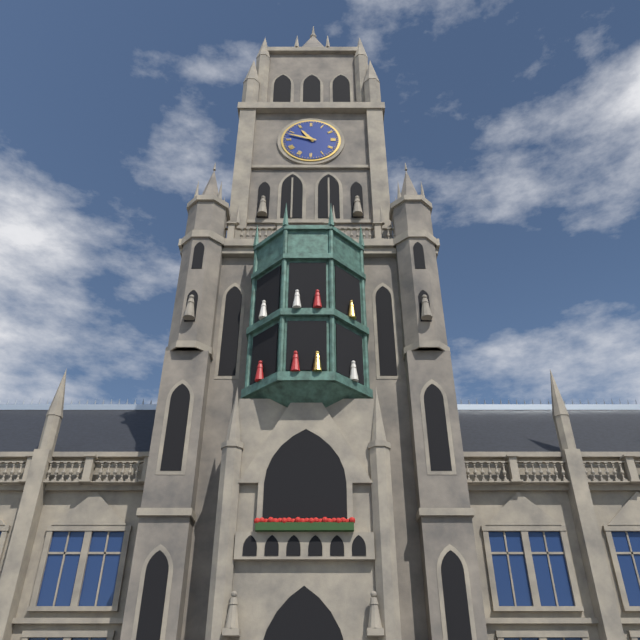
10:48
